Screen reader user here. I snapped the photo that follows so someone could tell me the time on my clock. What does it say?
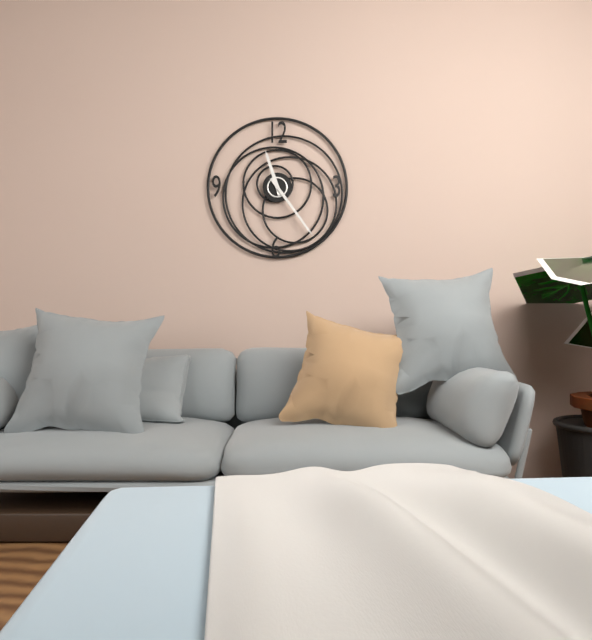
11:24
